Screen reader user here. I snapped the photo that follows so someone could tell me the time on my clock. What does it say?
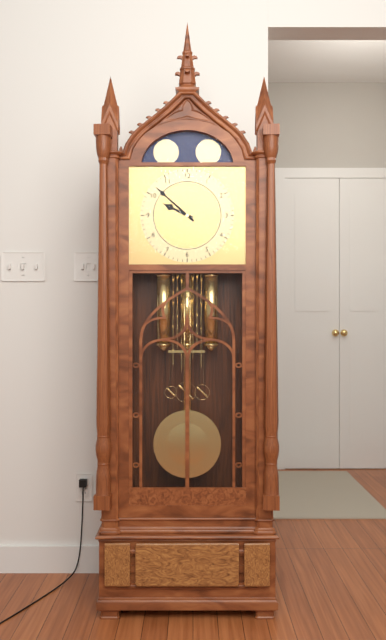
9:52
